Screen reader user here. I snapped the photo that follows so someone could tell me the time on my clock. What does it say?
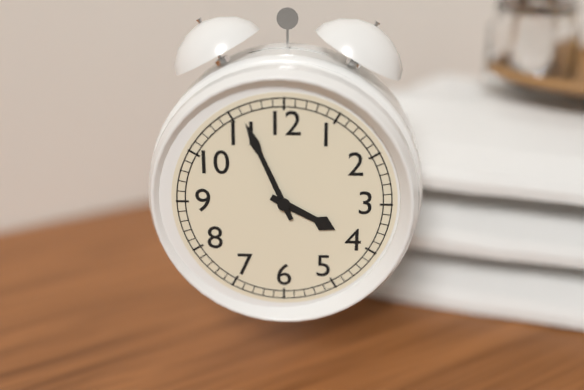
3:56
